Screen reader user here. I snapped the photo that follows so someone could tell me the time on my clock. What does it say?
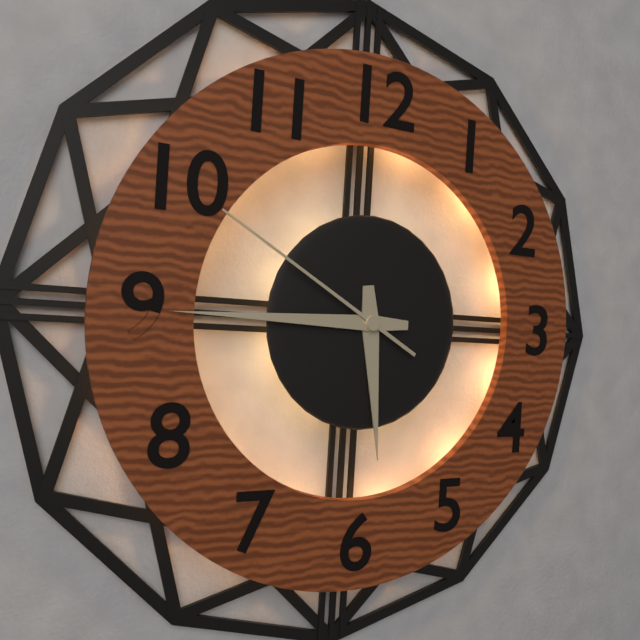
5:45:50
